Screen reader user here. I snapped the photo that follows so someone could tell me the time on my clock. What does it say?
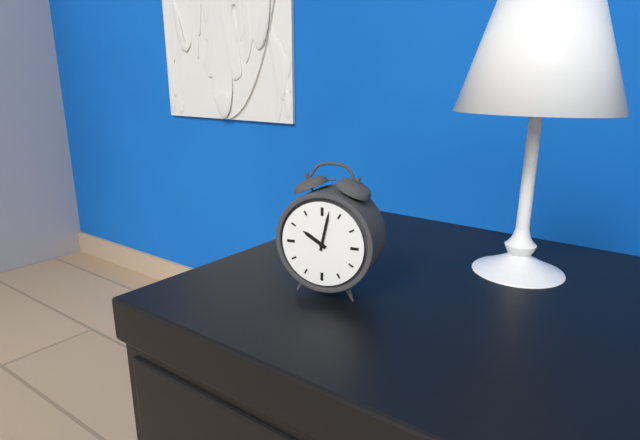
10:02
